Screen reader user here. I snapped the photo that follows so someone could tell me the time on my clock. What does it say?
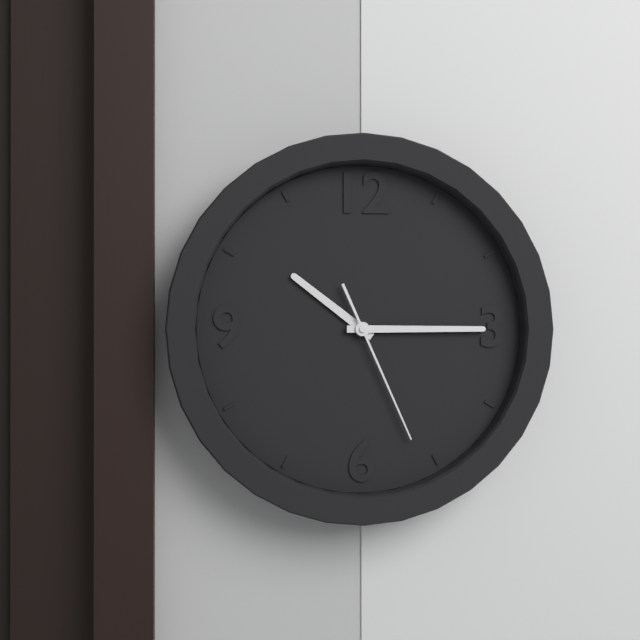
10:15:26
